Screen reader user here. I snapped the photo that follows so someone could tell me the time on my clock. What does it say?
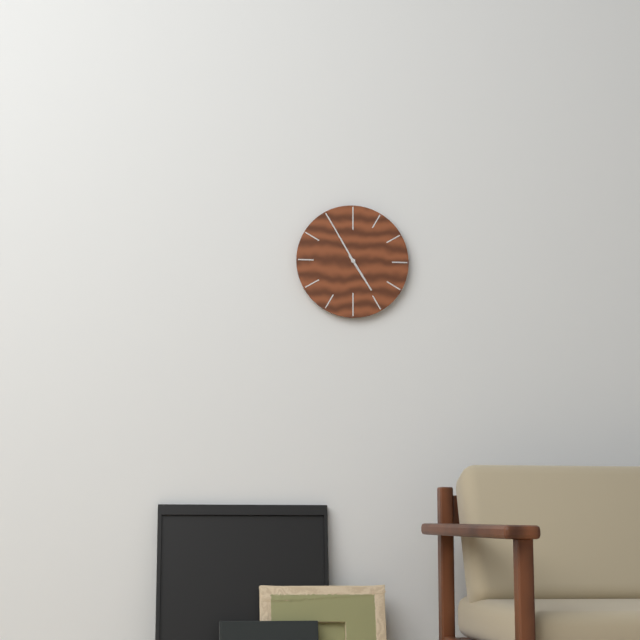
4:55
